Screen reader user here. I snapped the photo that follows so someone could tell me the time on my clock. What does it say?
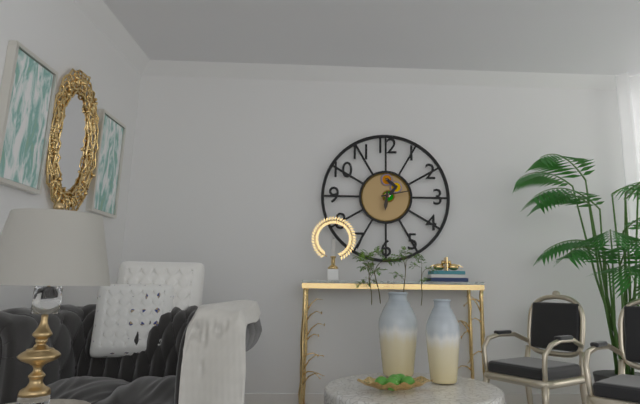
6:13
